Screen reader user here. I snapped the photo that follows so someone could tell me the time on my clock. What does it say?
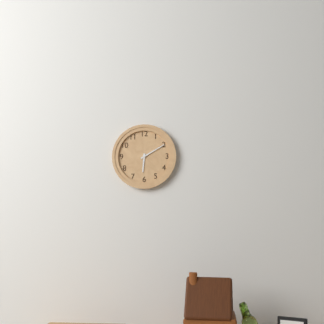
6:10
